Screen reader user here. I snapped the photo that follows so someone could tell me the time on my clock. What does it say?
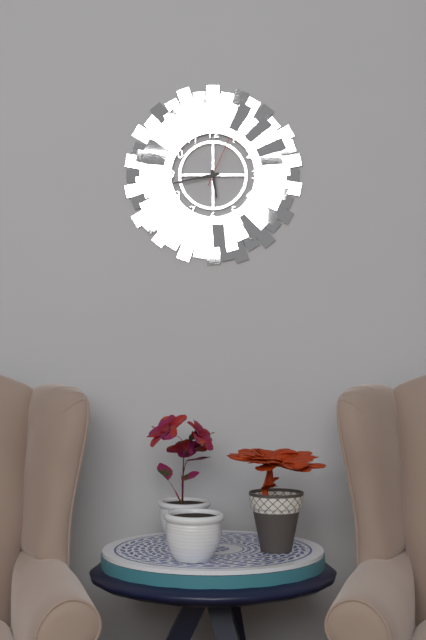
5:43:04
